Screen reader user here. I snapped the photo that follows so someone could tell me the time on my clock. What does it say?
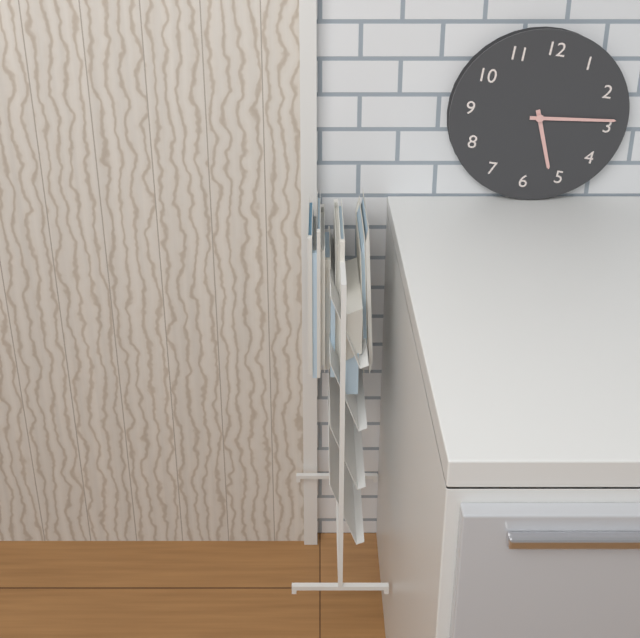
5:14
